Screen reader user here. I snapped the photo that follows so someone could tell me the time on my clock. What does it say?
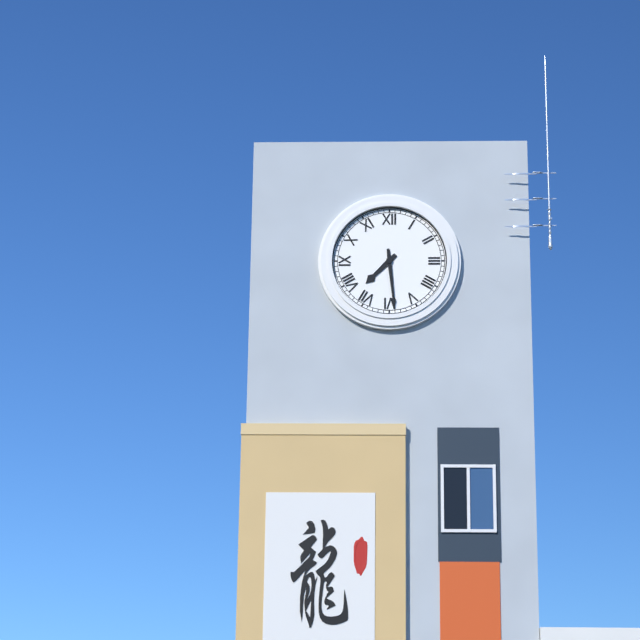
7:29
